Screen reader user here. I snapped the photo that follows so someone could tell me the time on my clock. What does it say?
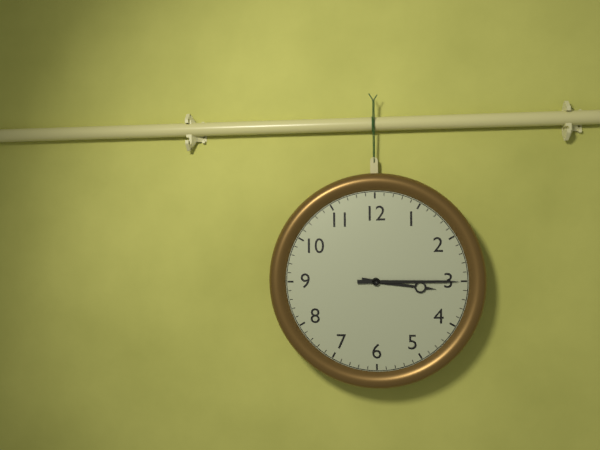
3:15
